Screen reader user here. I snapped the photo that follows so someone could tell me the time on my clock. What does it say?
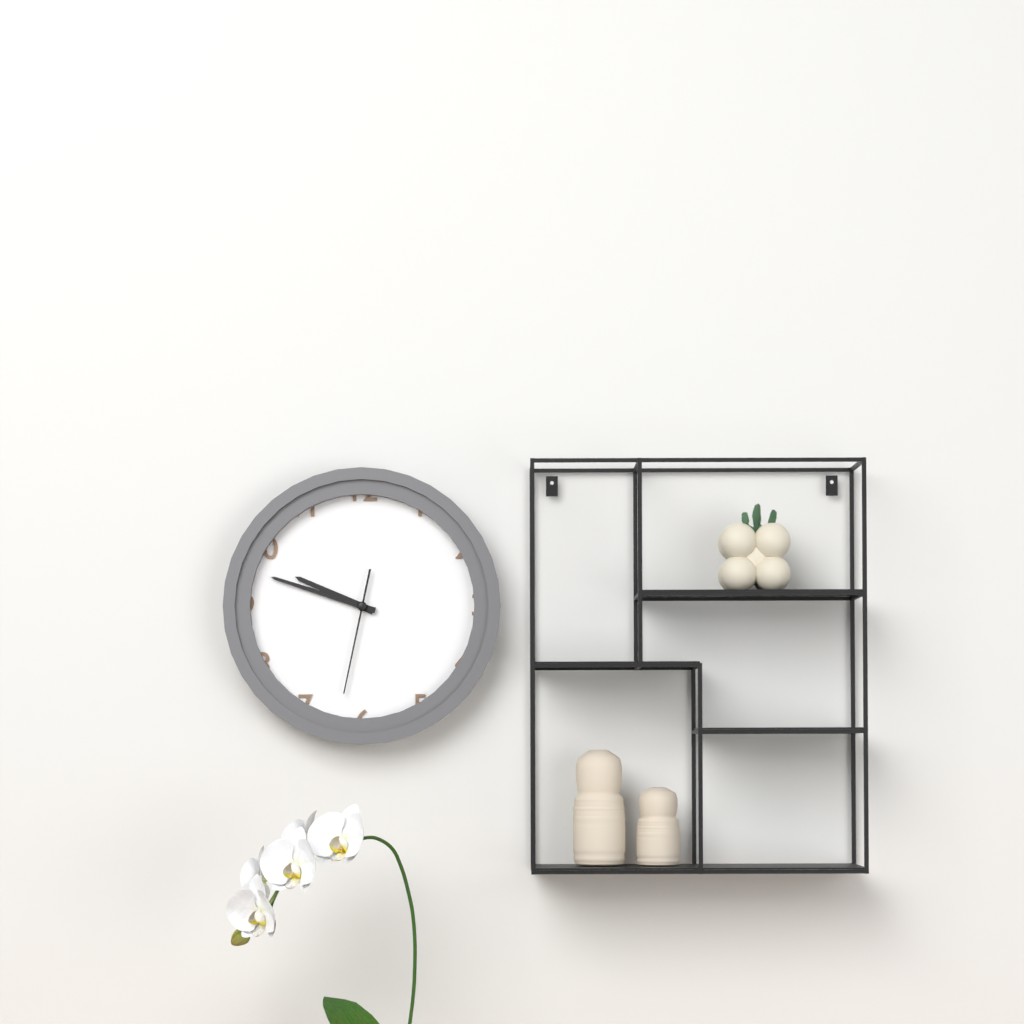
9:48:32
